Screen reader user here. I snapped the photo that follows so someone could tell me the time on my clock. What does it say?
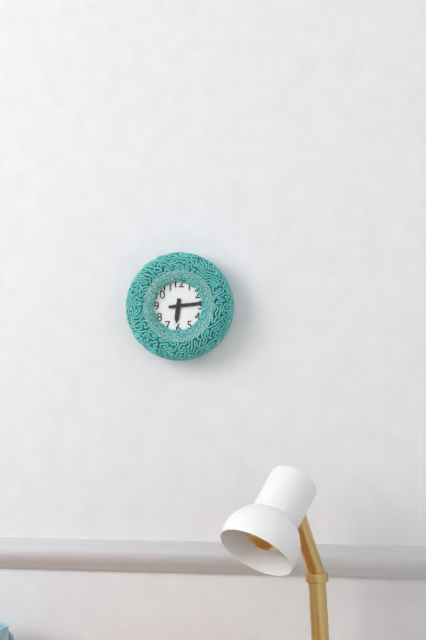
6:14
